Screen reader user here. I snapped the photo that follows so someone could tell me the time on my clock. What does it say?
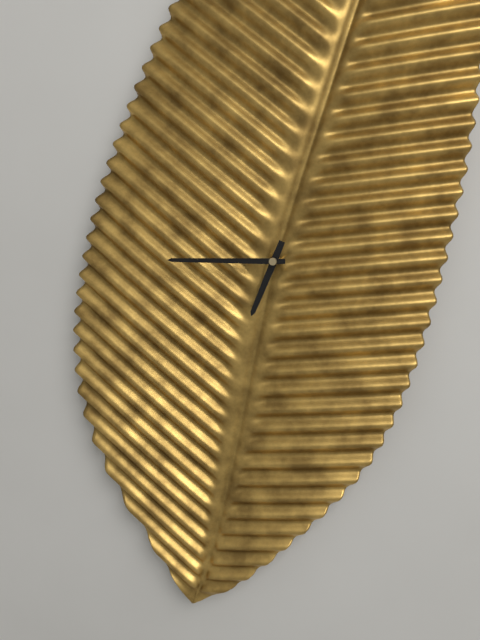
6:45
